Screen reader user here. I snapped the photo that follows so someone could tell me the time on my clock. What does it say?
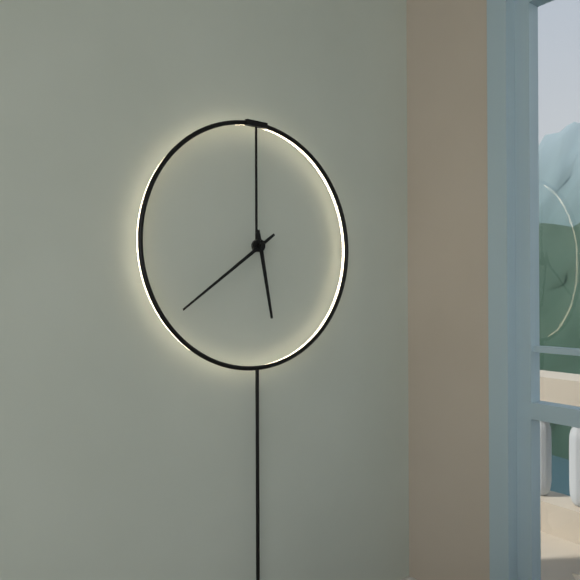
5:39
